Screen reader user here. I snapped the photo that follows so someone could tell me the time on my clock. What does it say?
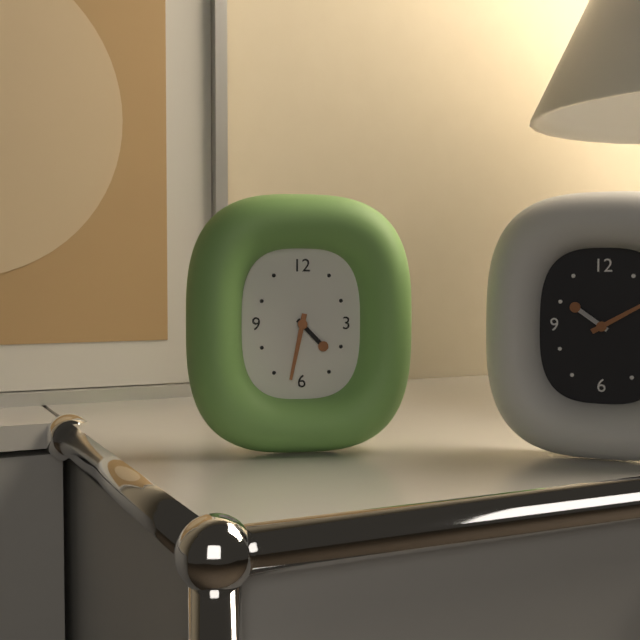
4:32
